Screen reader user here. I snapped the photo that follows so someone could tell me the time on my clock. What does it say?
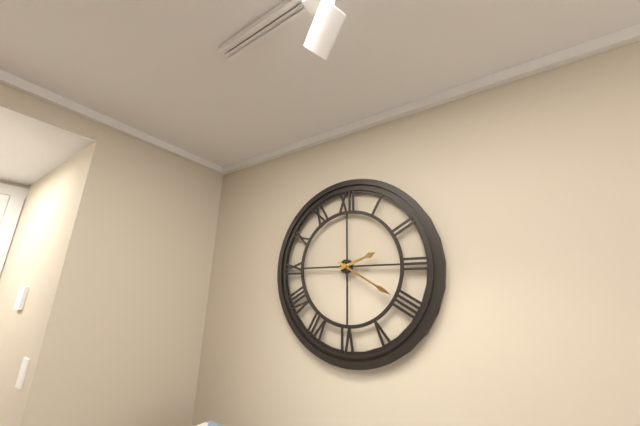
2:20
